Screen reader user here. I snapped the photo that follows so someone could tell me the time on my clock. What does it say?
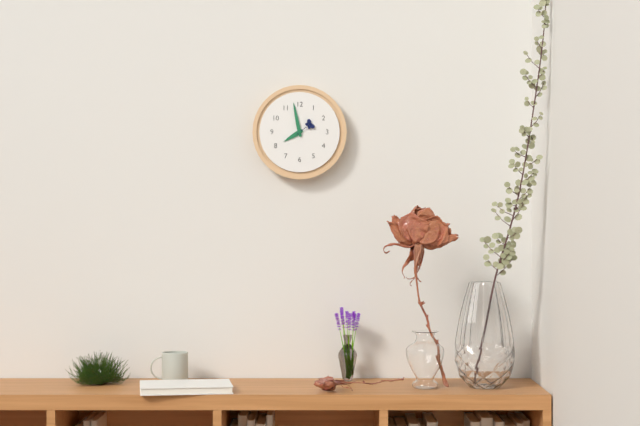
7:58
